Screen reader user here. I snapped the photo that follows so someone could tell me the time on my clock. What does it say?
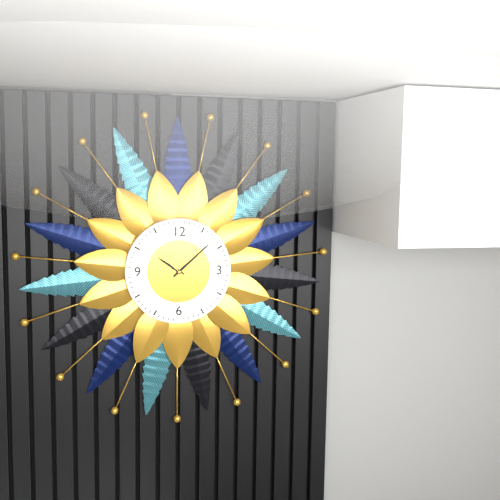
10:08:52
